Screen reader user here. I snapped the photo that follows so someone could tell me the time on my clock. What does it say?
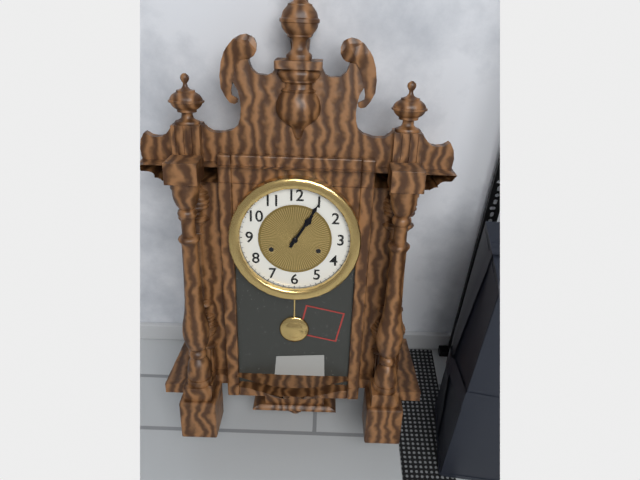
1:05
